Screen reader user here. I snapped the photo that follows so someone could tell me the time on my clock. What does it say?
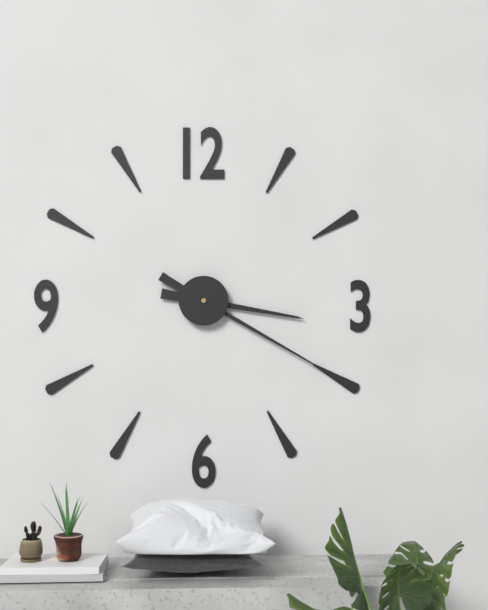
3:20
